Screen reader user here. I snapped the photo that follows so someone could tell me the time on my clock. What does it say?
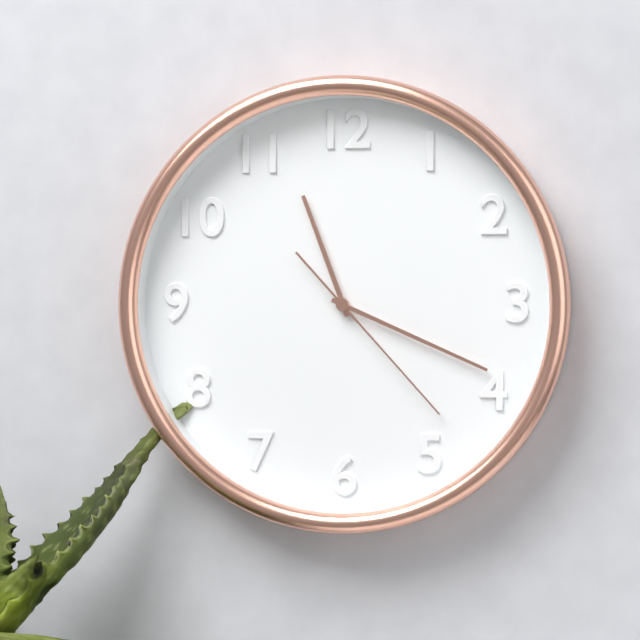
11:19:23
